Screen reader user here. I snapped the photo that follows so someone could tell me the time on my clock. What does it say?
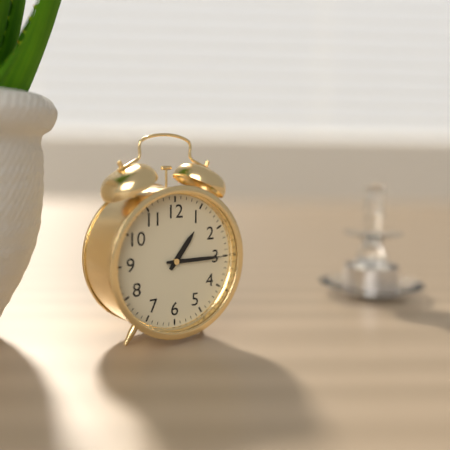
1:15
